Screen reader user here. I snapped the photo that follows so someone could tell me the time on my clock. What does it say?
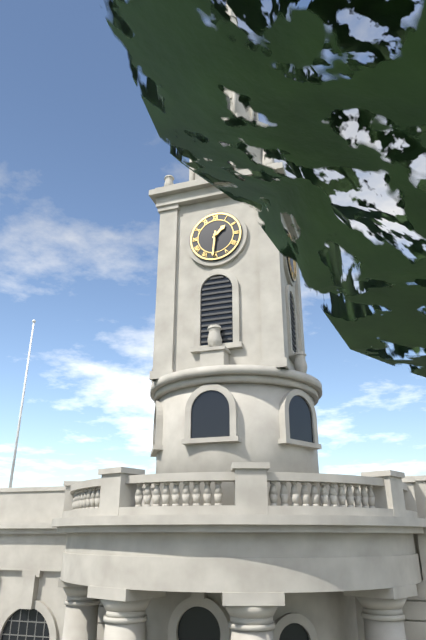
1:31
